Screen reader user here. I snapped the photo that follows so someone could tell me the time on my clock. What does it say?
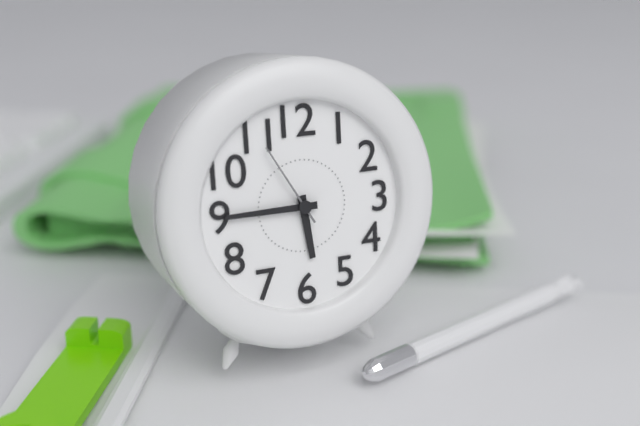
5:45:55
